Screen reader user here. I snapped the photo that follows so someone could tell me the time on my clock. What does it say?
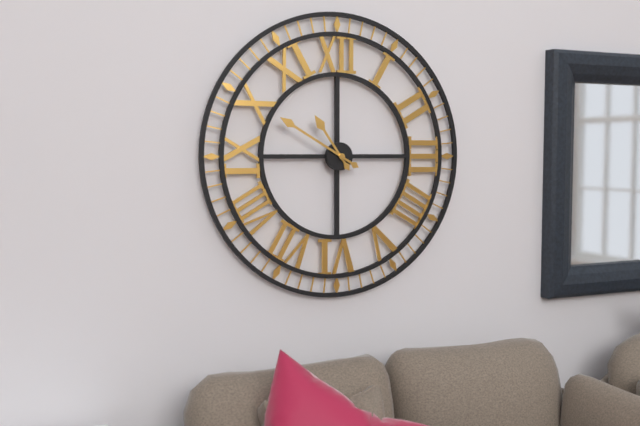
10:50
